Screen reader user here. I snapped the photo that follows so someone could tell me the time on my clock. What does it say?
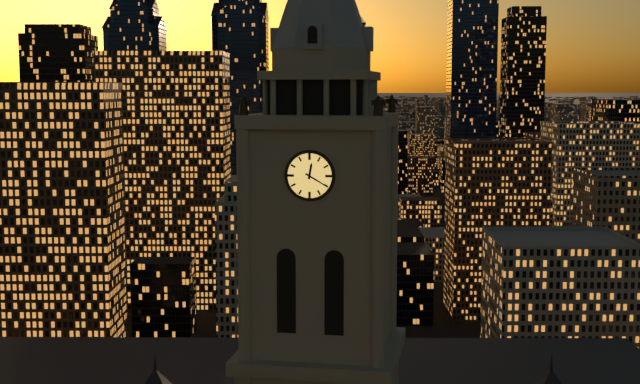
12:20
